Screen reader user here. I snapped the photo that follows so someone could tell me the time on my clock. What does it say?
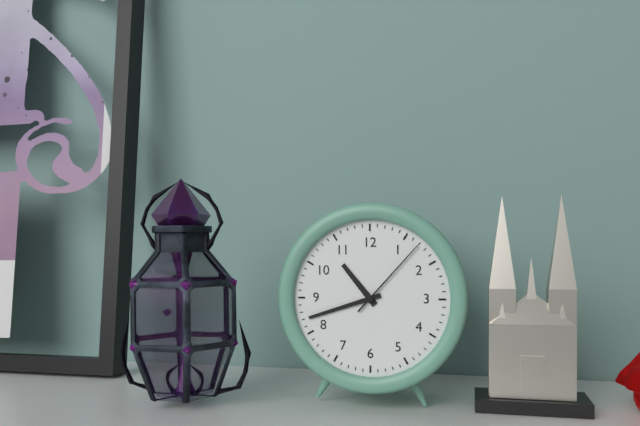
10:42:07
